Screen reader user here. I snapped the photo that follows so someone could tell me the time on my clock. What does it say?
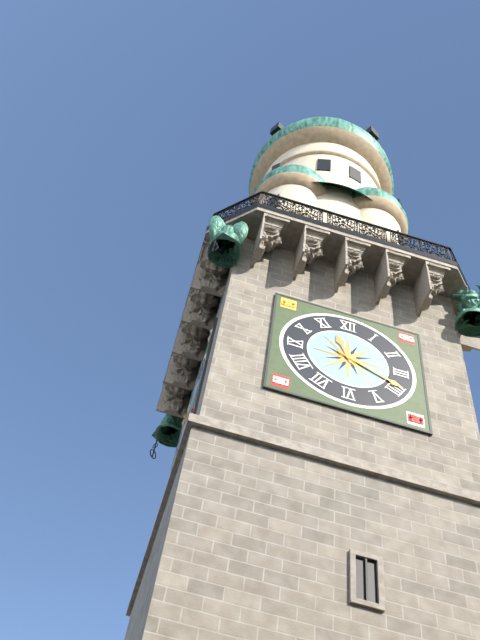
11:19
